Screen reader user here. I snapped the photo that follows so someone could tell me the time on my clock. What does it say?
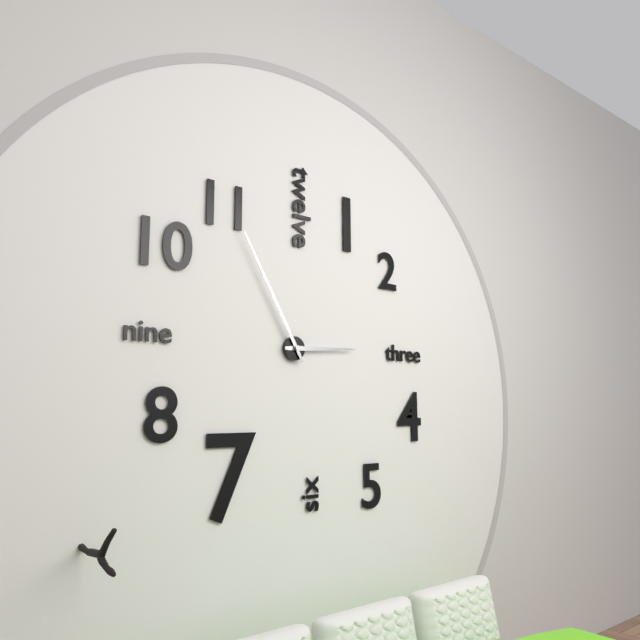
2:55
